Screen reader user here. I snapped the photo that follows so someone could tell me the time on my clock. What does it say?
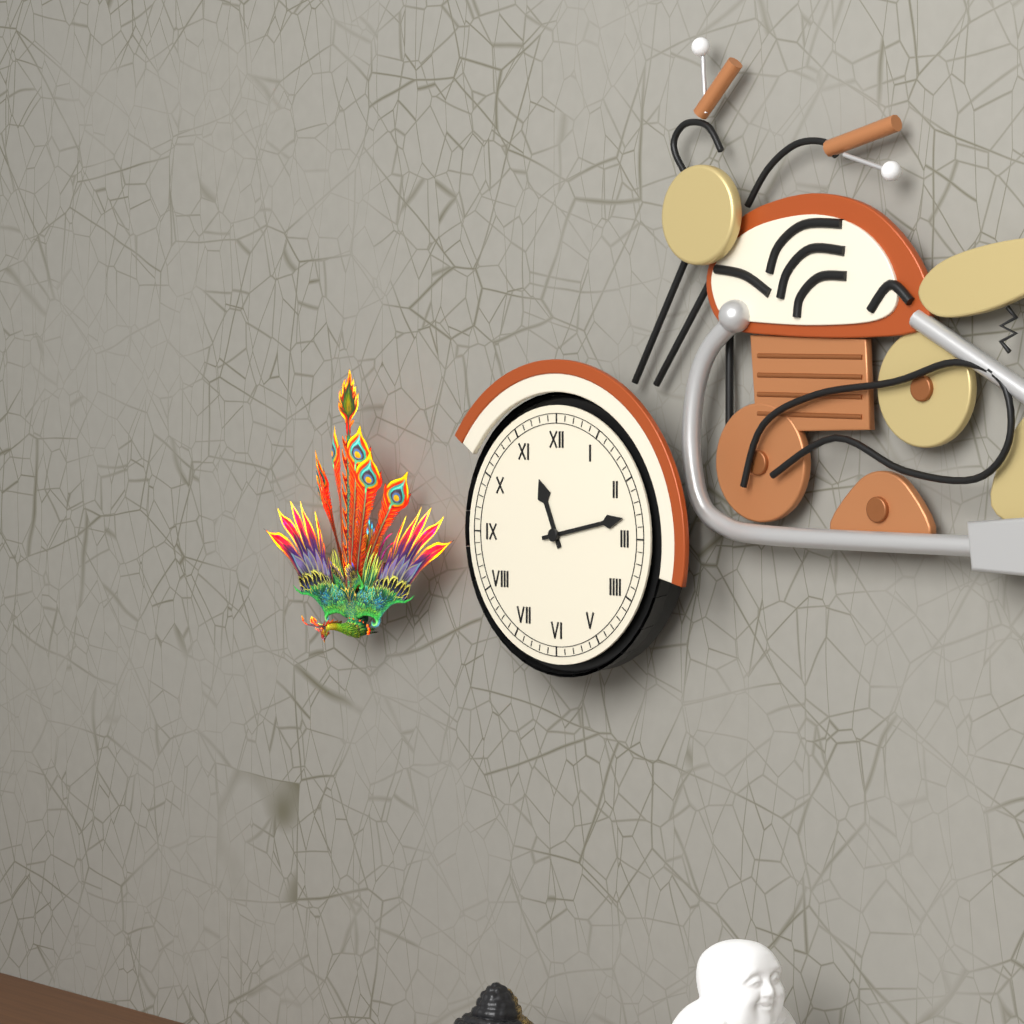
11:13
